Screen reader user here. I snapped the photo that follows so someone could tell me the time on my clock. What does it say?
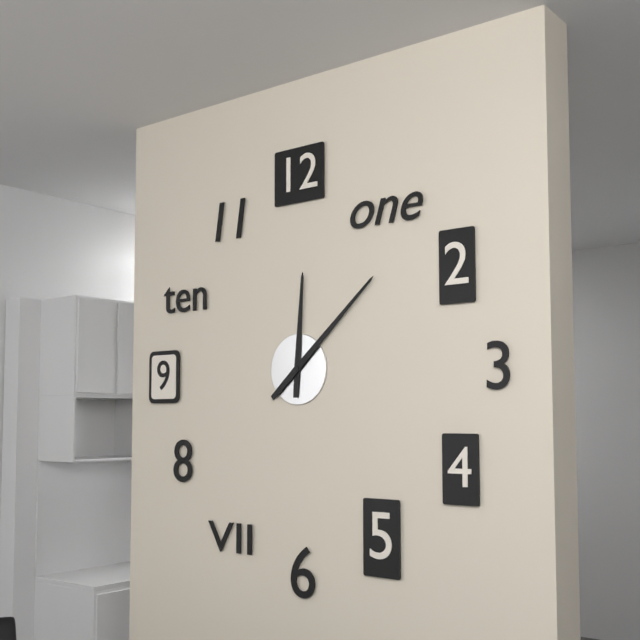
12:08
